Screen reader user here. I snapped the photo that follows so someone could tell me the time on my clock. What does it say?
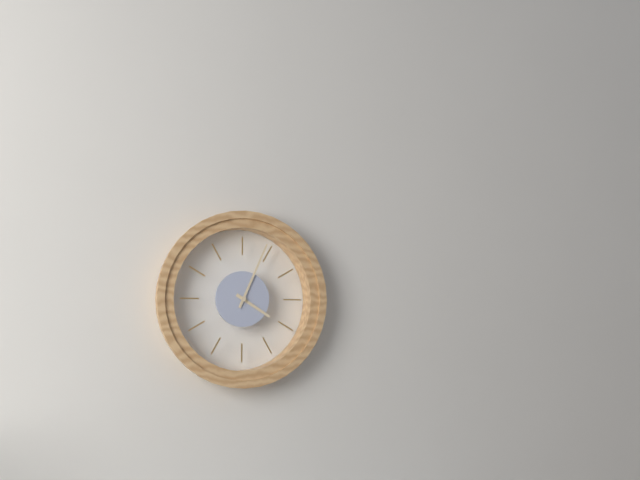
4:04
